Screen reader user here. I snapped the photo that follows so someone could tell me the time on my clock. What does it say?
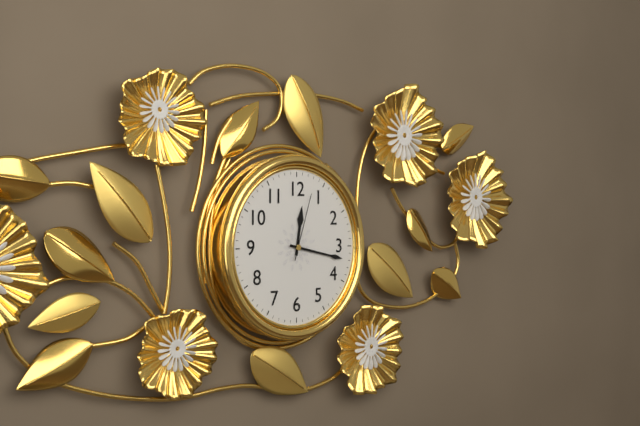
12:17:03
